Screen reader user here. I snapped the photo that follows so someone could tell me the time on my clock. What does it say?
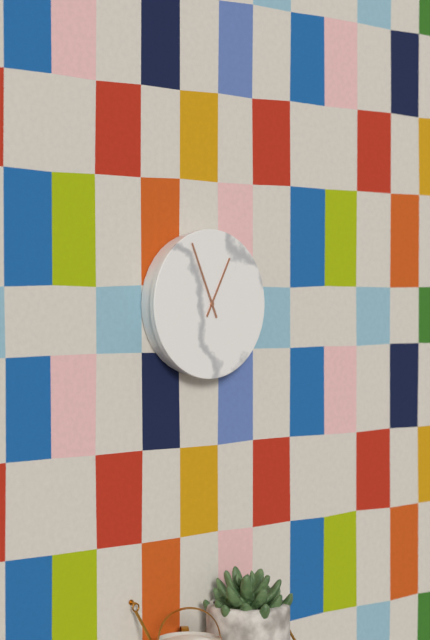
12:56
